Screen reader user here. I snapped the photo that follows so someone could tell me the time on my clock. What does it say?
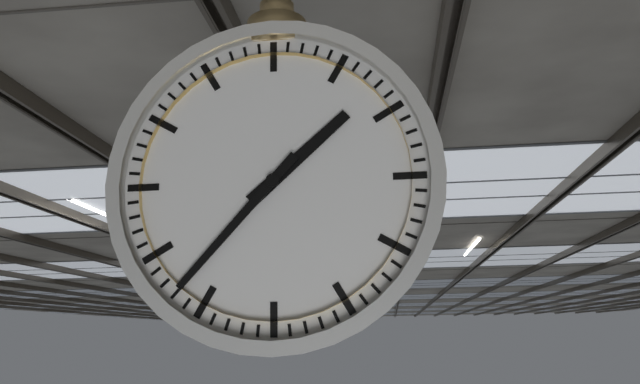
1:37
